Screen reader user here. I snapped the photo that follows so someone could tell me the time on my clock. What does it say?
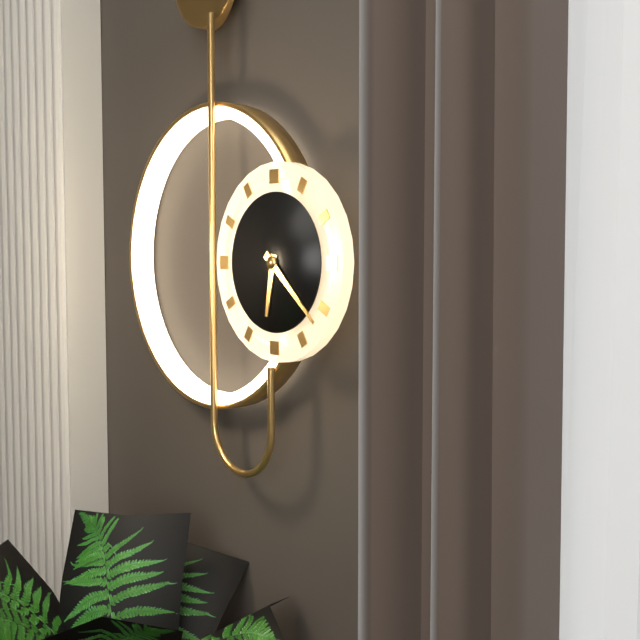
6:22
